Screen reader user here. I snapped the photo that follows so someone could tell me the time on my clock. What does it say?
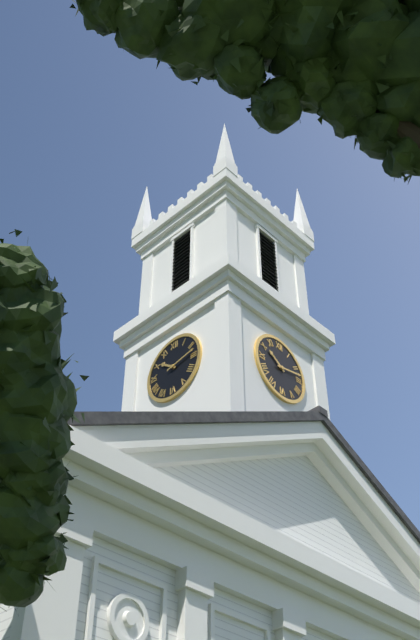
10:13
